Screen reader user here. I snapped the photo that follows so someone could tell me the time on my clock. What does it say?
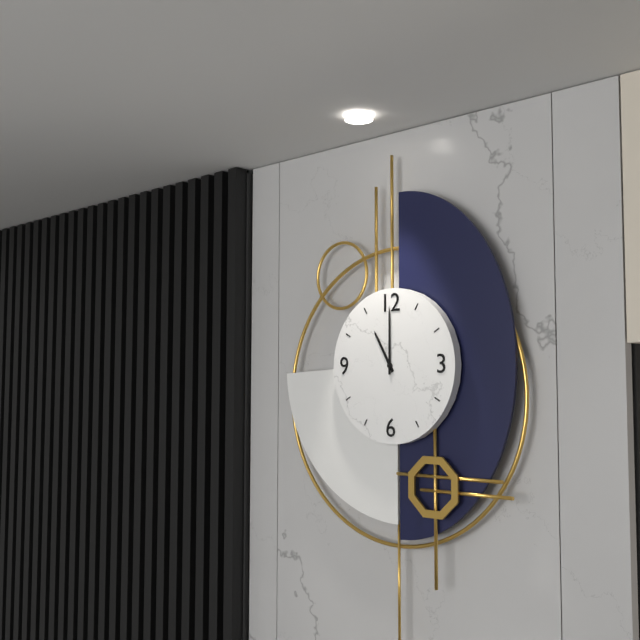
11:00
